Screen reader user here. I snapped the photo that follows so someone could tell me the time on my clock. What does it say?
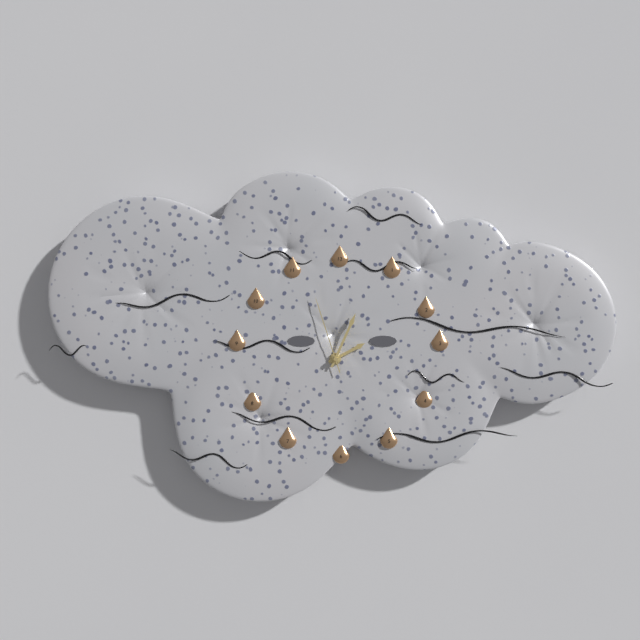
2:04:57
